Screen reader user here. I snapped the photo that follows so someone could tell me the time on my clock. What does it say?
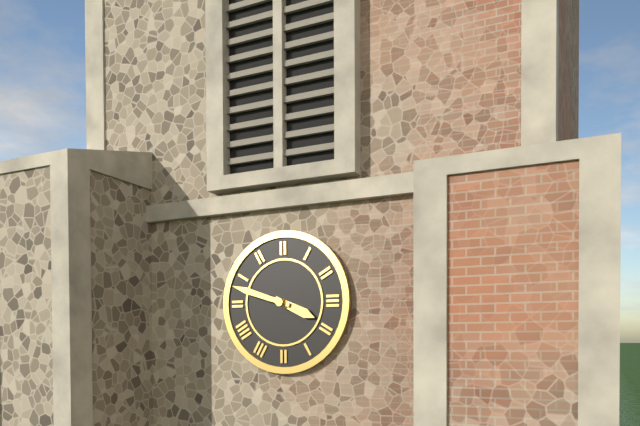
3:48
